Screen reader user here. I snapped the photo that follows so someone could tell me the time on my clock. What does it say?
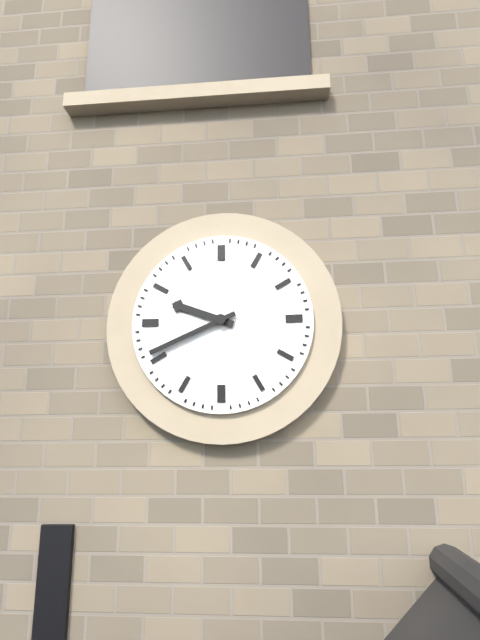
9:41
